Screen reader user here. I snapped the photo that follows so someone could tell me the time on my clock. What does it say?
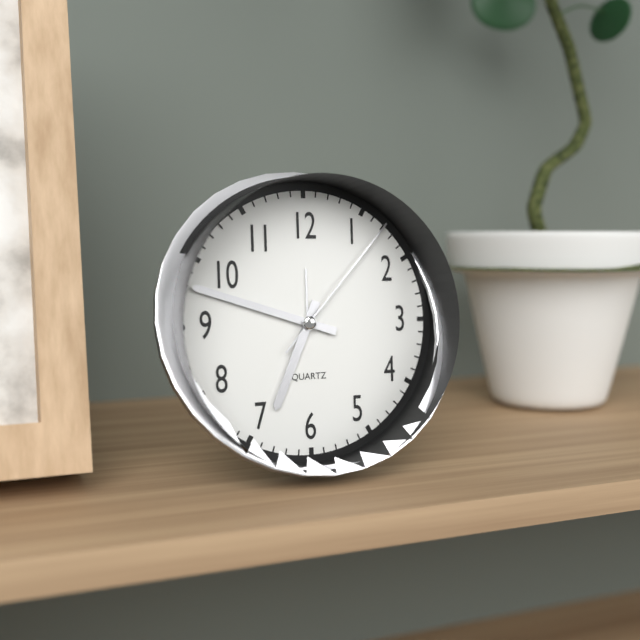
6:48:07
